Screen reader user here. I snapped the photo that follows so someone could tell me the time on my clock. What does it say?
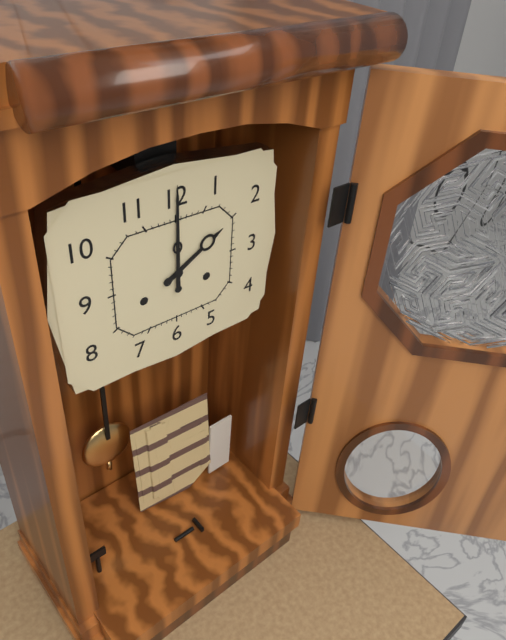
2:00
